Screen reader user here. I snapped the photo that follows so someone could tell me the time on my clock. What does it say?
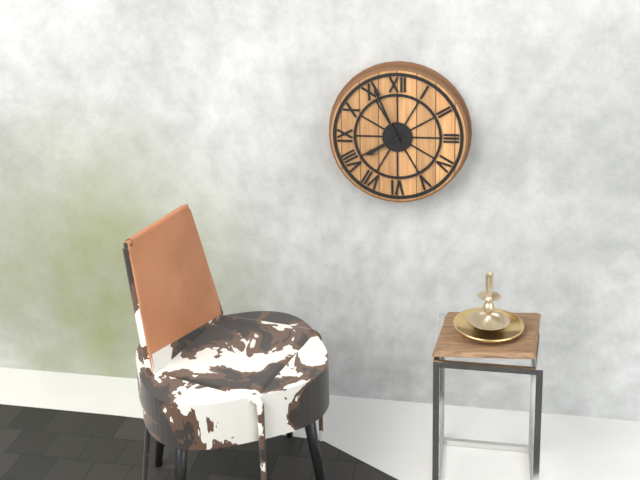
7:56
